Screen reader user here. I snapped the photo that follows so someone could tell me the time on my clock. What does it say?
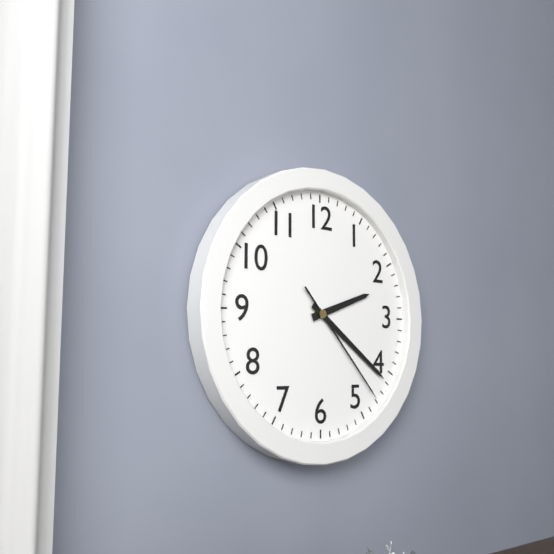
2:21:23
